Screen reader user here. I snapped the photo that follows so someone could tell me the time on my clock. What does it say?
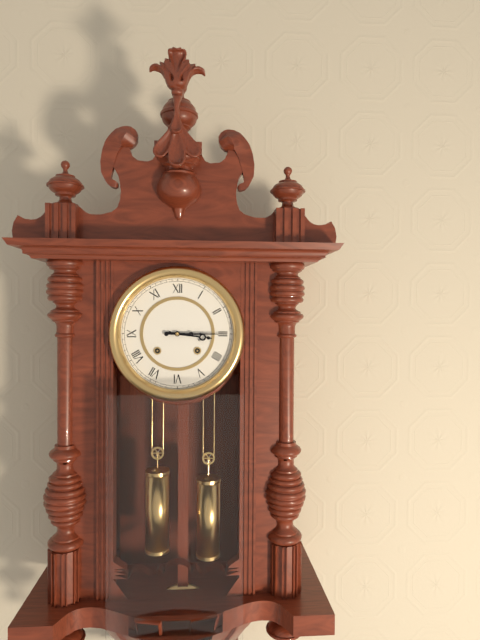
3:15
